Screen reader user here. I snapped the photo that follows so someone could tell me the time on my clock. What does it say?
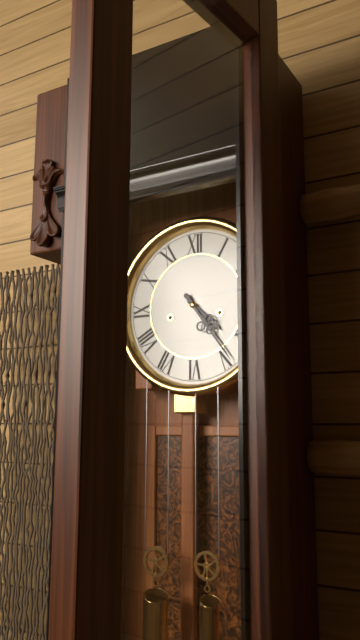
4:24
